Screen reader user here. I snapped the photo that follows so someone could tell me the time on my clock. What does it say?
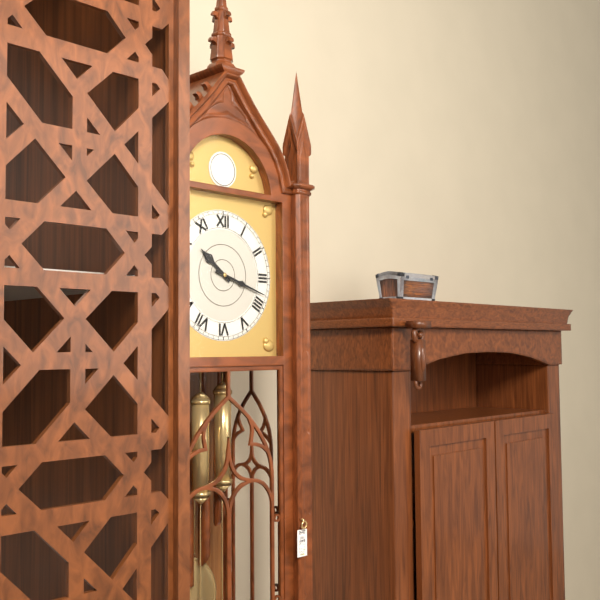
10:18
